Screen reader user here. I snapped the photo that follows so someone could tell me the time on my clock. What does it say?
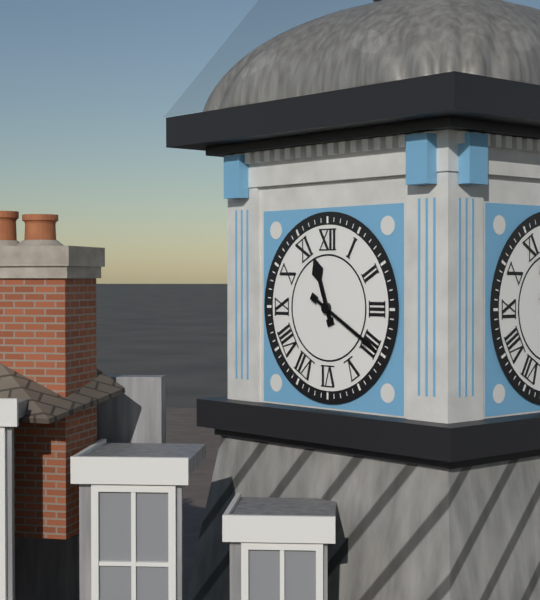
11:20
